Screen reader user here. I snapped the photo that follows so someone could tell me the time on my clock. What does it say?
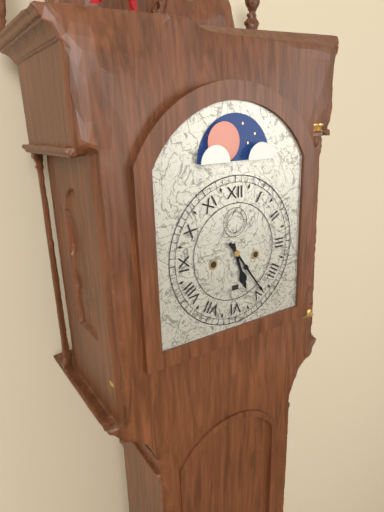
5:24
